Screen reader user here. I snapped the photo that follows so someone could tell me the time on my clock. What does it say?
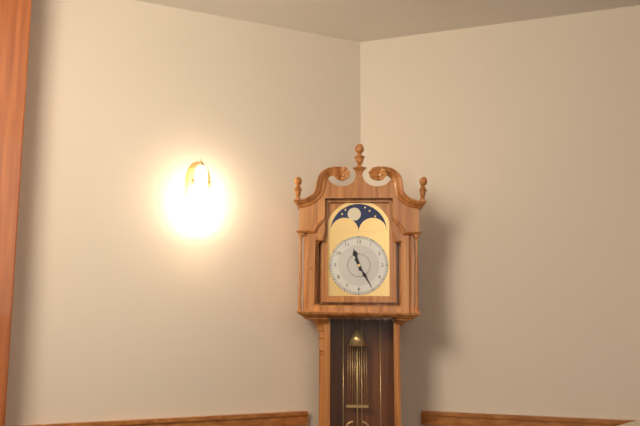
11:25
